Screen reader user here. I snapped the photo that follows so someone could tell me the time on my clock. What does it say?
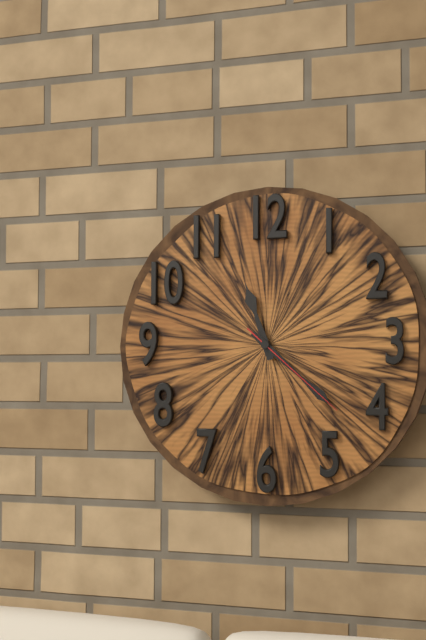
11:22:22
